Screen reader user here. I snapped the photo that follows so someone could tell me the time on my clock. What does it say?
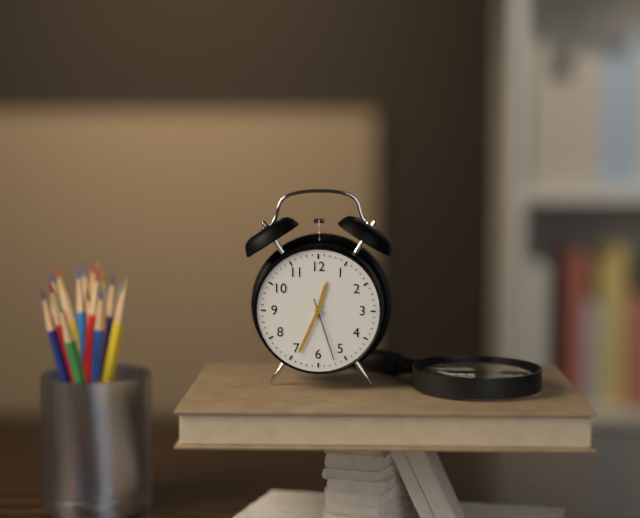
12:34:27
